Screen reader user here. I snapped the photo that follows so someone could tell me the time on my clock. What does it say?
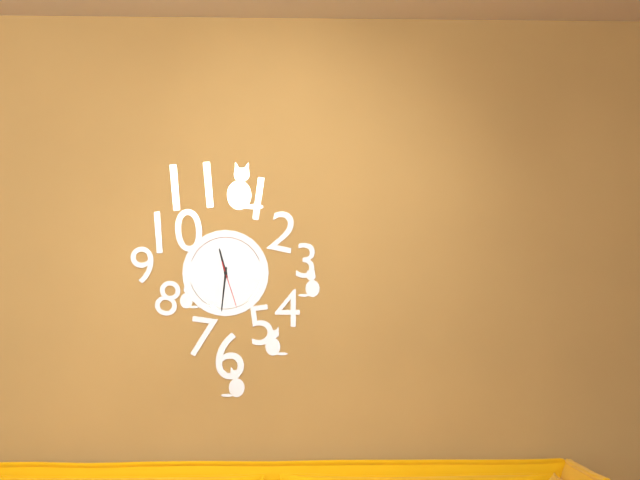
11:31
